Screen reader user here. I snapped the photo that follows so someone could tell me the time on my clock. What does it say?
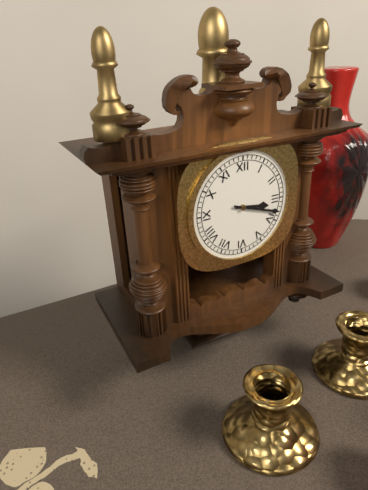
3:18
